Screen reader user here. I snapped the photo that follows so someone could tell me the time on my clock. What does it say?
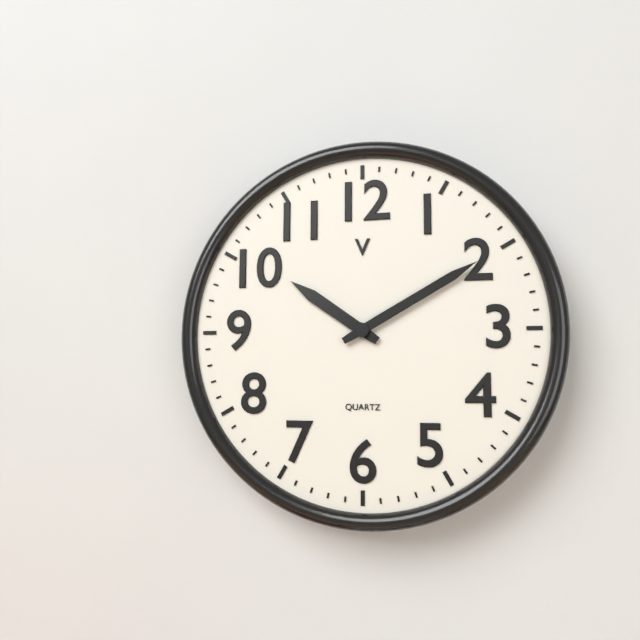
10:10
